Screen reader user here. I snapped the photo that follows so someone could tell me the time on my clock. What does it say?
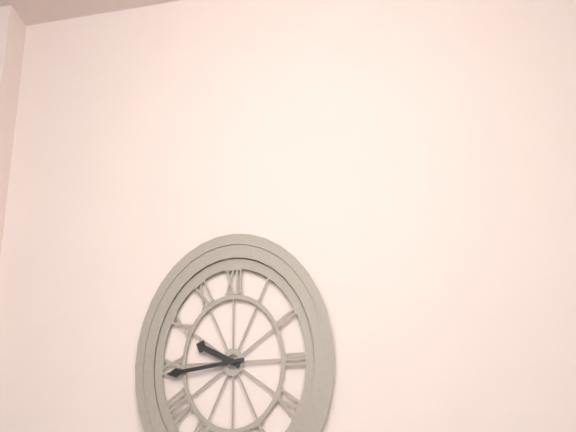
9:44
